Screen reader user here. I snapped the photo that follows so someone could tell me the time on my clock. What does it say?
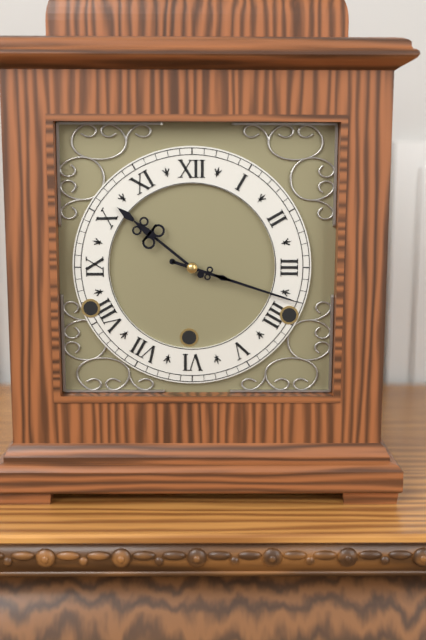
10:18
